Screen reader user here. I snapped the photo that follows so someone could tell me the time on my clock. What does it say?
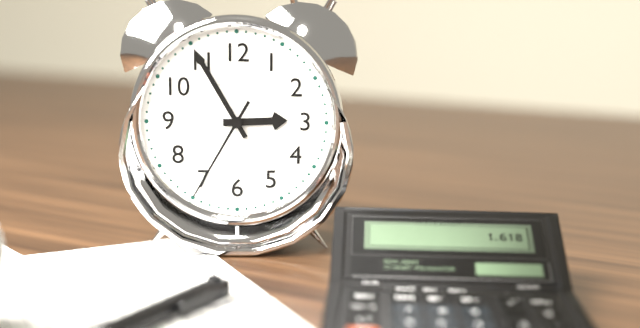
2:55:35
